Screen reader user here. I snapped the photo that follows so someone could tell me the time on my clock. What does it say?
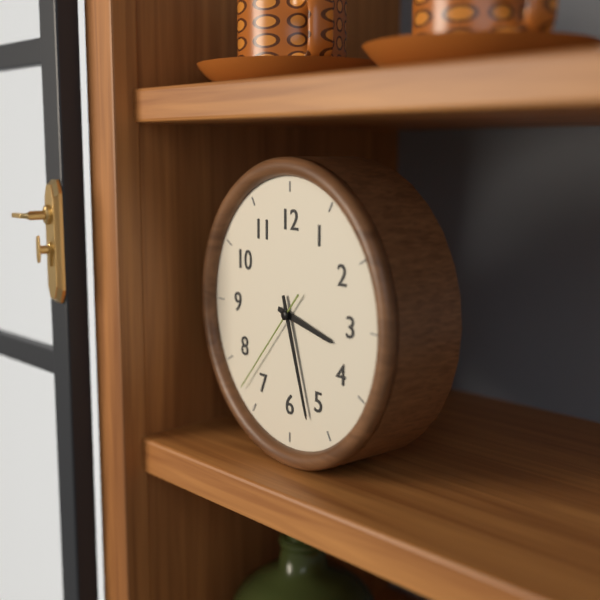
3:27:37
